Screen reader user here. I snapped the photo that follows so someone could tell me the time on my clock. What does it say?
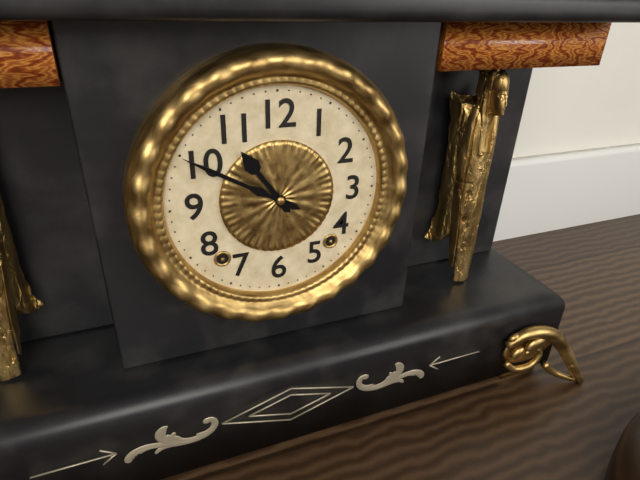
10:50
